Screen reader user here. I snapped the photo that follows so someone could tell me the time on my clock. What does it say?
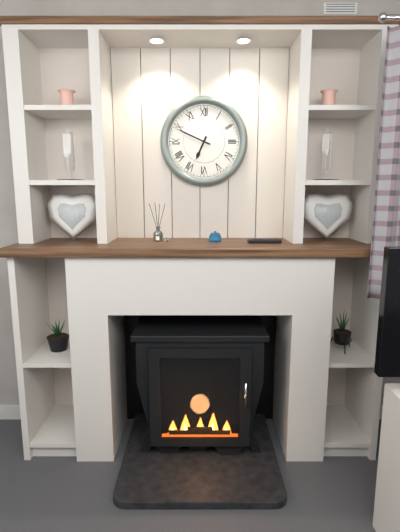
6:49
